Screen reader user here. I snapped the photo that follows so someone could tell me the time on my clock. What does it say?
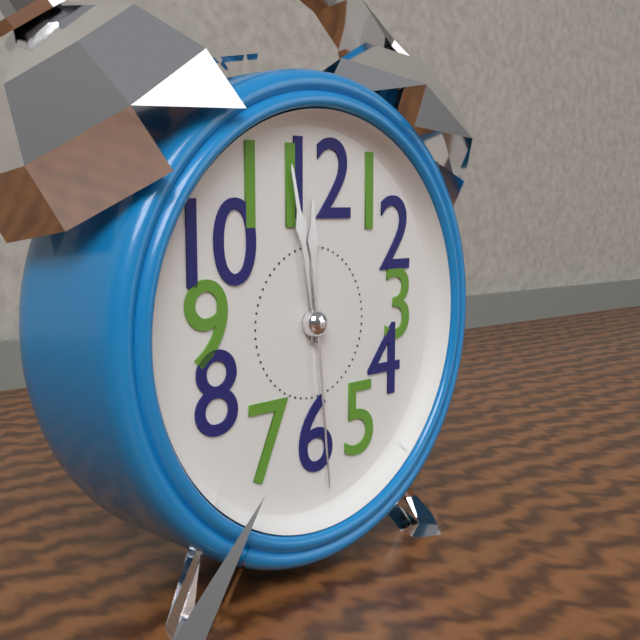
11:58:29
